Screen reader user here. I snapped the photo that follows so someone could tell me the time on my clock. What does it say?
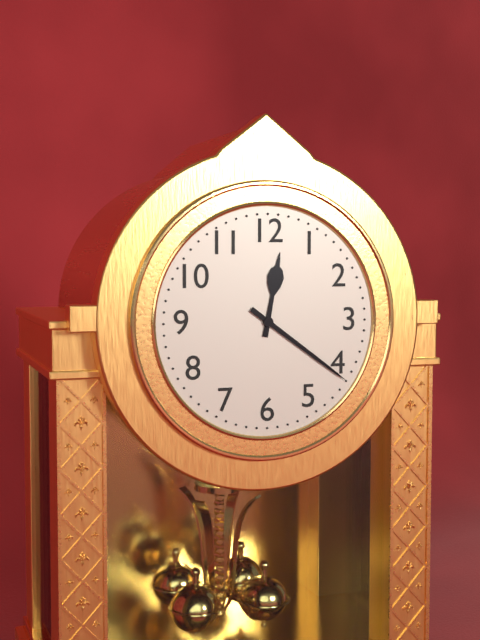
12:21
